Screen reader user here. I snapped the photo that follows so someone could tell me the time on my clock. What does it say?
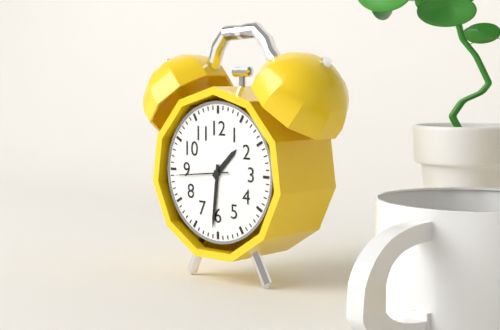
1:31:44
